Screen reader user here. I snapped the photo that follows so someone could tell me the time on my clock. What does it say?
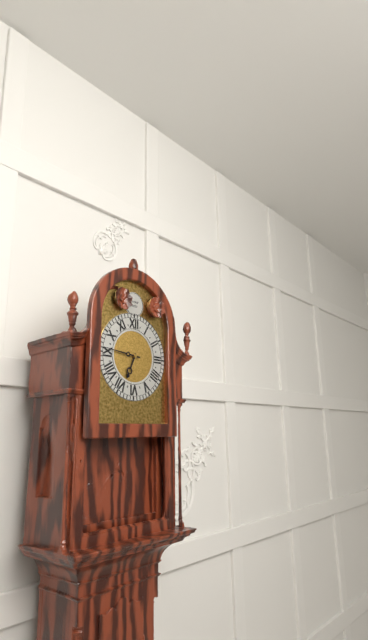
6:46
